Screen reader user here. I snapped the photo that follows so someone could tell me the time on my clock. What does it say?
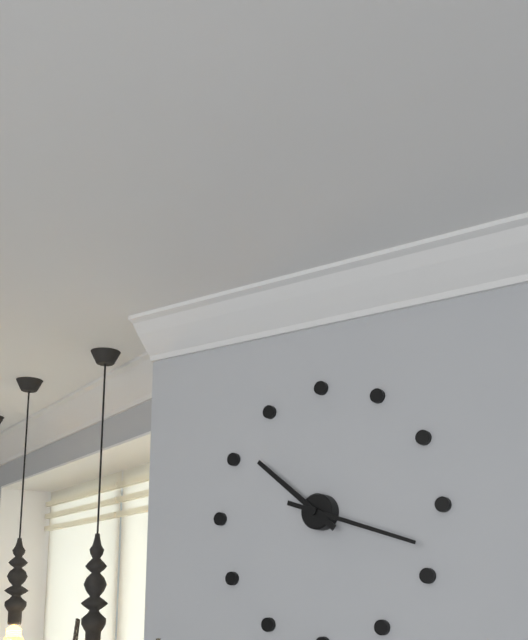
10:18
